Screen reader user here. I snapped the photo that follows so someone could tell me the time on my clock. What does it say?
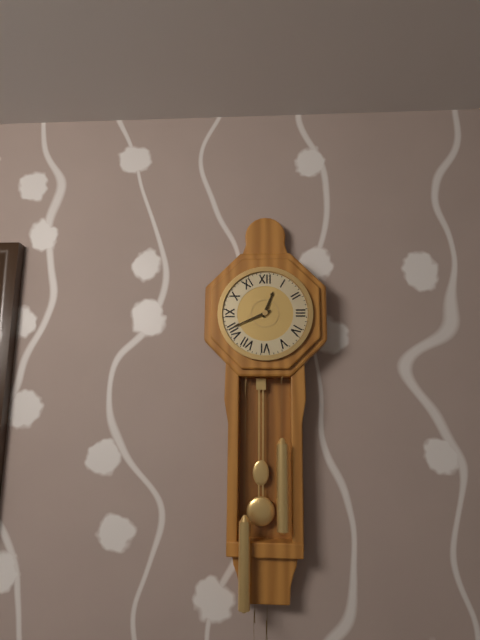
12:41
